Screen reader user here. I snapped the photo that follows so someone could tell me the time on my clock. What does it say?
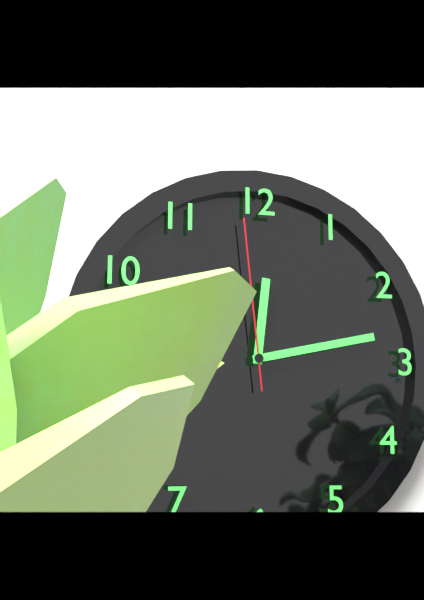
12:13:59
